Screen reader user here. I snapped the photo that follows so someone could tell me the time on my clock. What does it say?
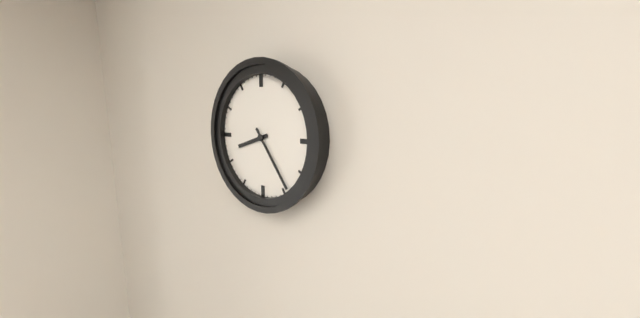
8:24
